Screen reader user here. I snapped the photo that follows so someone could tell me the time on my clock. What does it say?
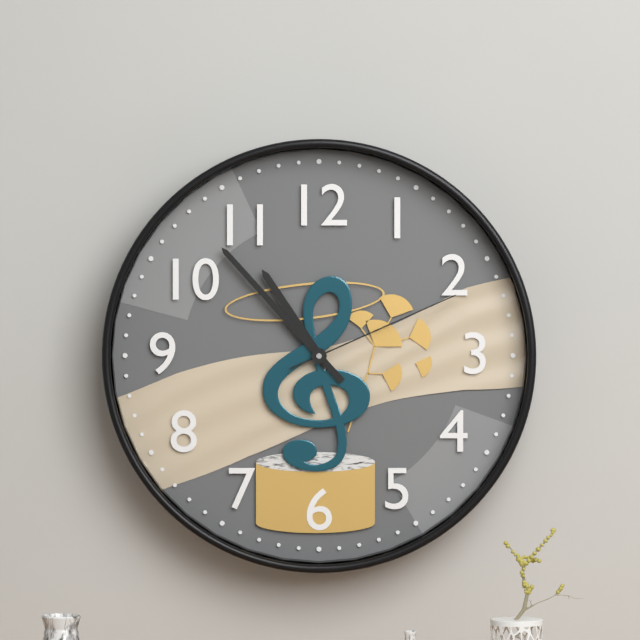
10:53:11
